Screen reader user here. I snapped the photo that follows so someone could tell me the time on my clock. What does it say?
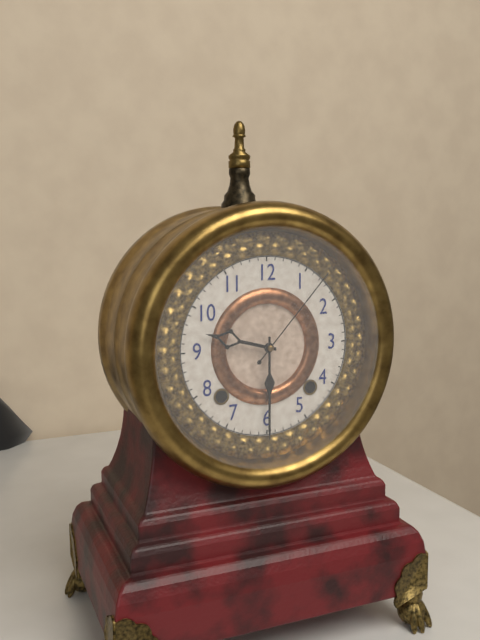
9:30:07
